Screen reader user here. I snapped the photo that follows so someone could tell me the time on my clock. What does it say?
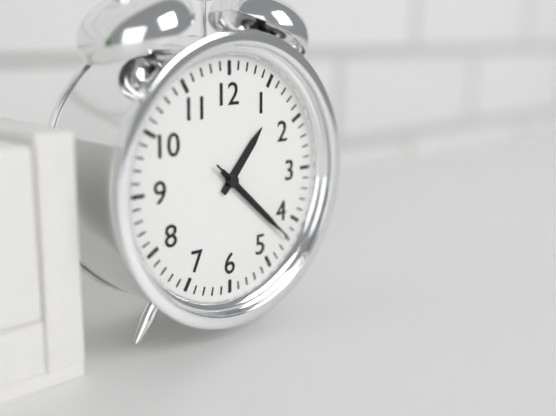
1:22:22
